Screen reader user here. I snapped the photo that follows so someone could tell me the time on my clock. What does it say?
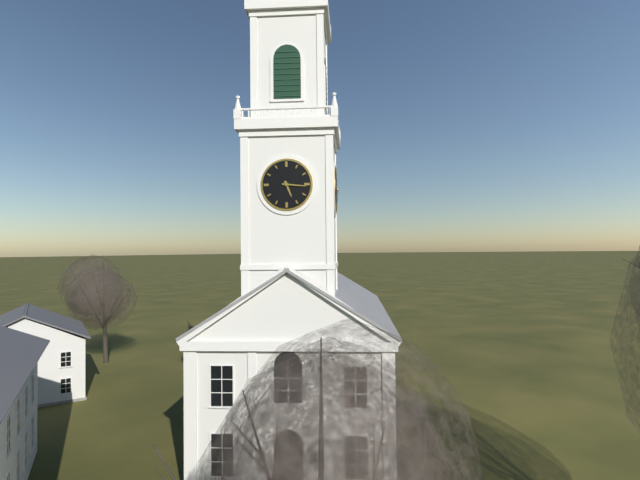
5:16
